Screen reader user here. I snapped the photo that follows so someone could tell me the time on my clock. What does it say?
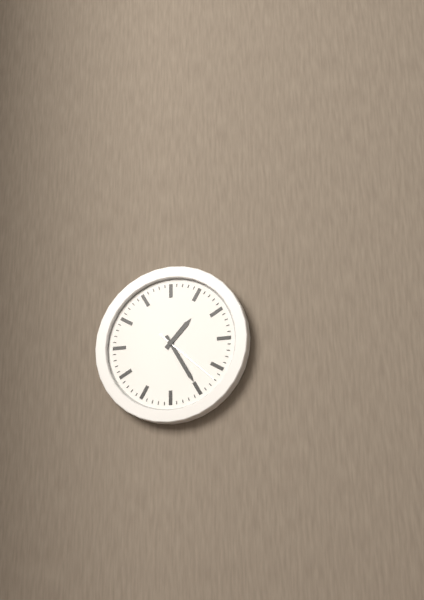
1:25:22
